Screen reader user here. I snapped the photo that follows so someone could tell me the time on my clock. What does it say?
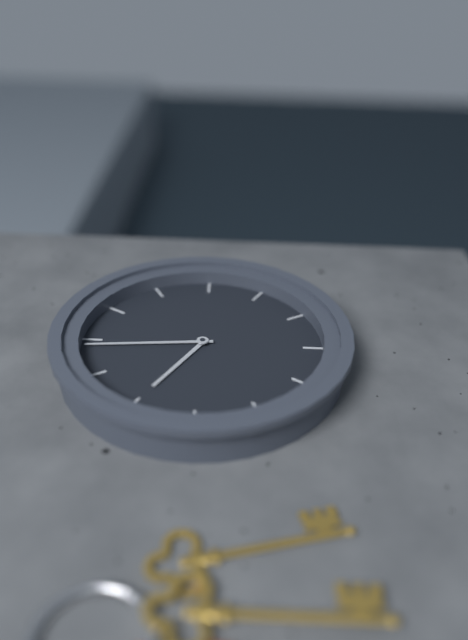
9:59
